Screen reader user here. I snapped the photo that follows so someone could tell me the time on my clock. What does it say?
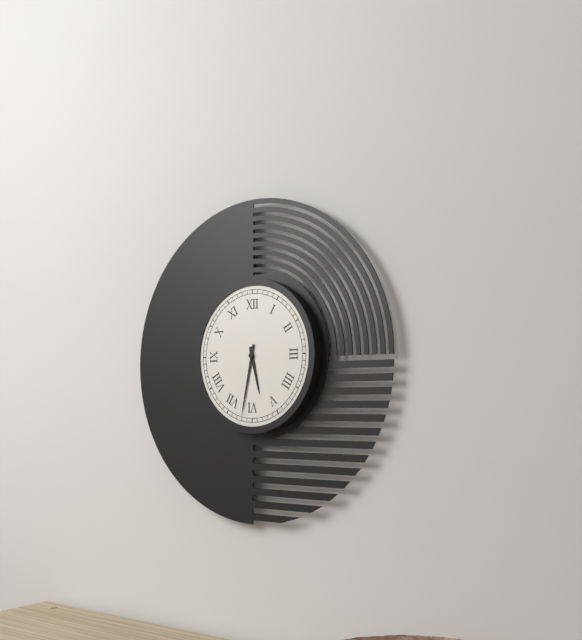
5:32
